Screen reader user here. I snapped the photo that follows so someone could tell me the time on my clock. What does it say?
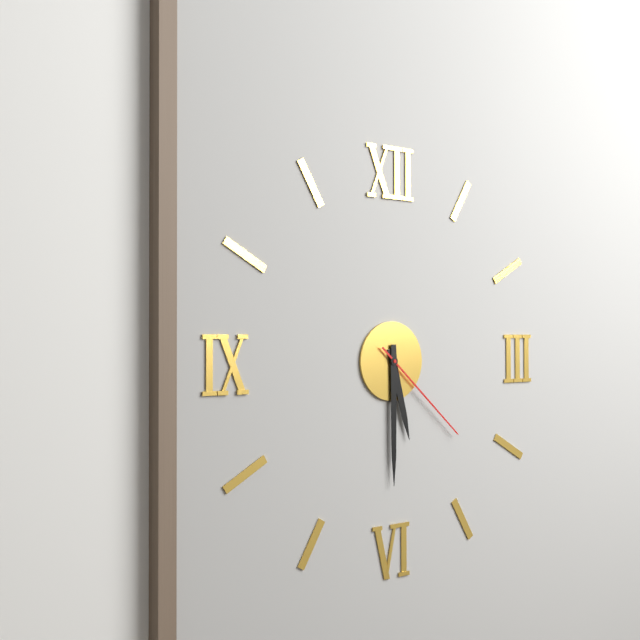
5:30:22
